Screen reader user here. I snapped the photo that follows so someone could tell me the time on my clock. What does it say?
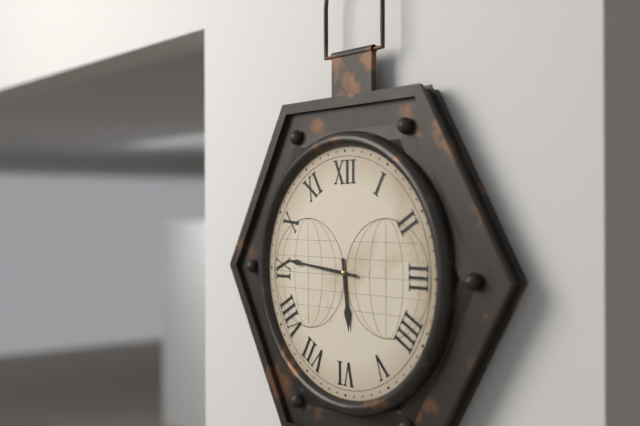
5:46
